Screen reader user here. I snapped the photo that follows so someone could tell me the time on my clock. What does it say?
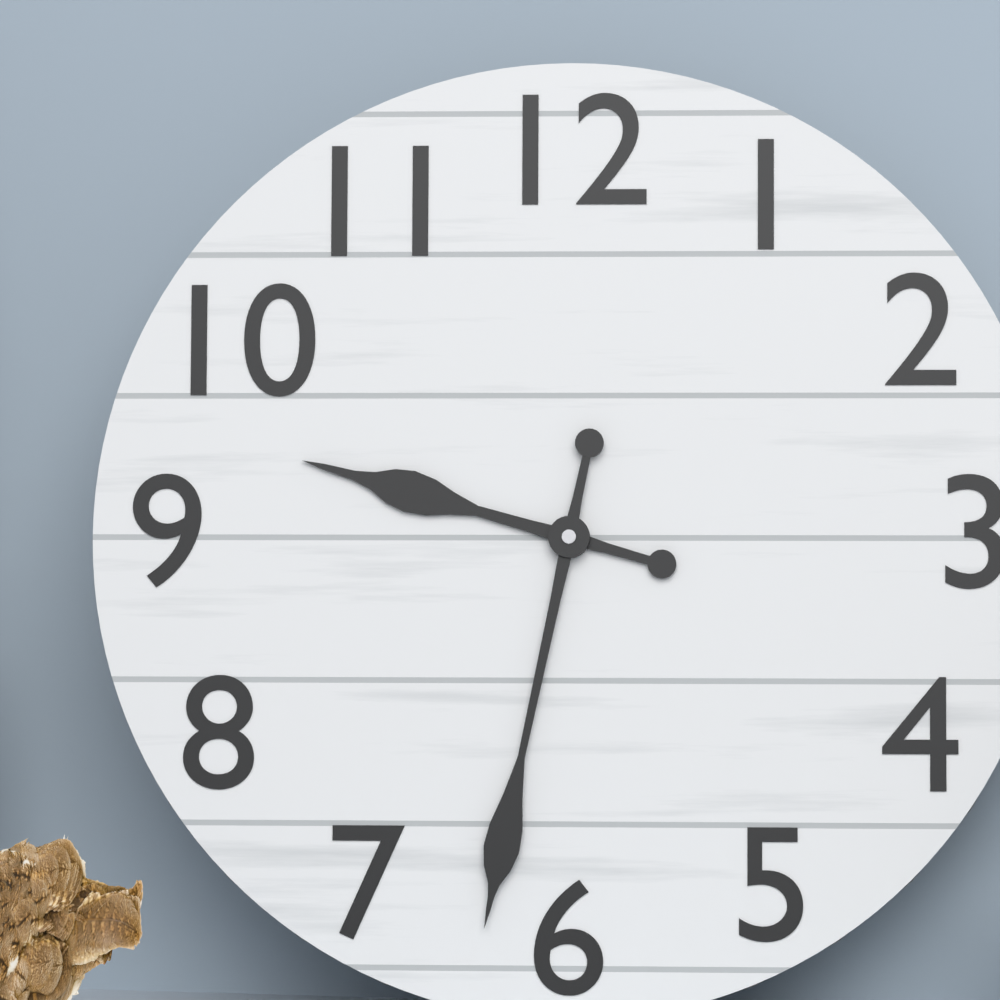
9:32
